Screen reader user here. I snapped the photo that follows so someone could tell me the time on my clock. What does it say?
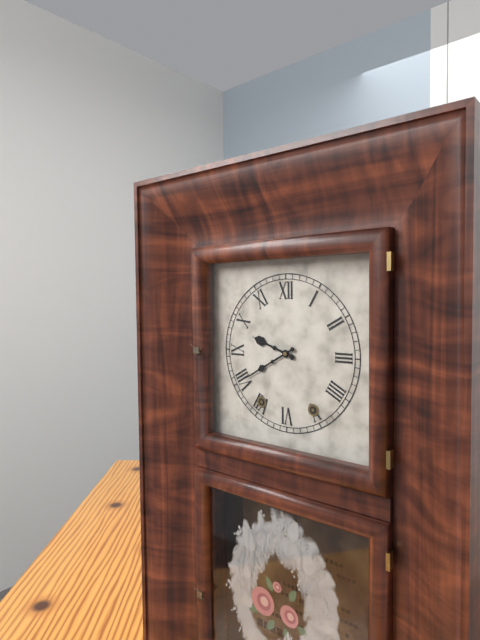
9:40
